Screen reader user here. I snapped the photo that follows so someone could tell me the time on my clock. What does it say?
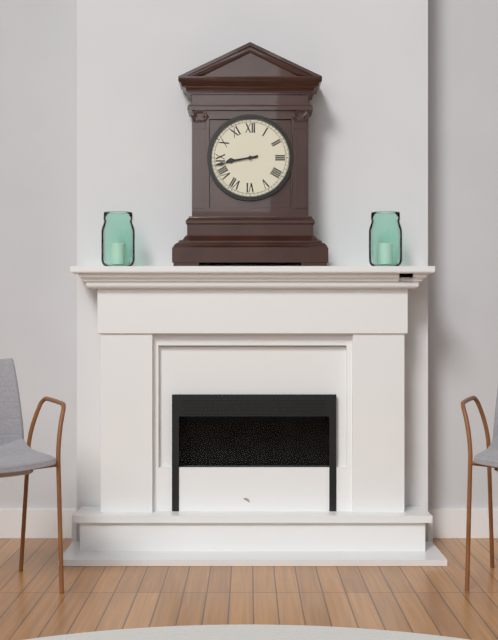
8:43
